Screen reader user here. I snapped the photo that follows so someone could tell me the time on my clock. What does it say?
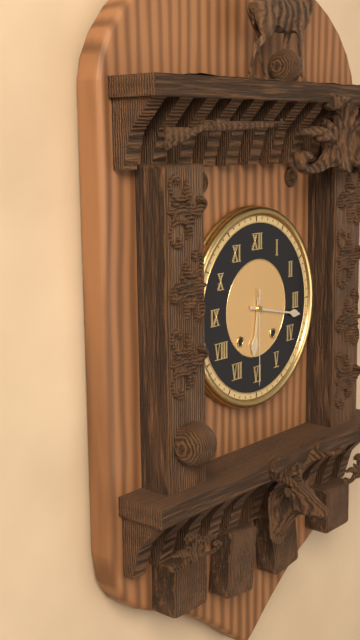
6:17:30
